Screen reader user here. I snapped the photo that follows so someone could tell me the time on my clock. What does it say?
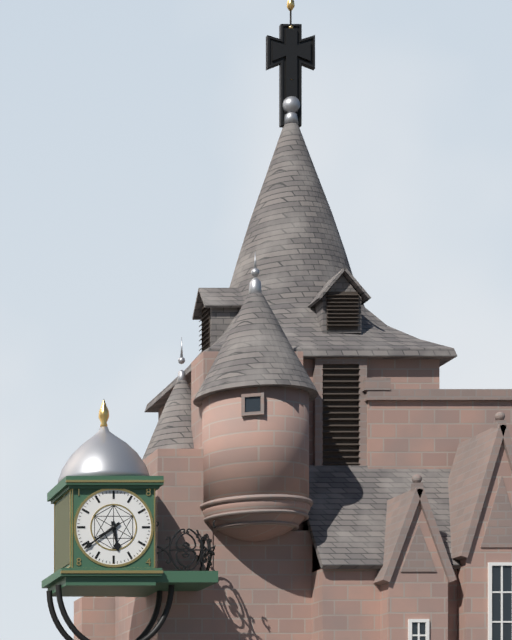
5:39
